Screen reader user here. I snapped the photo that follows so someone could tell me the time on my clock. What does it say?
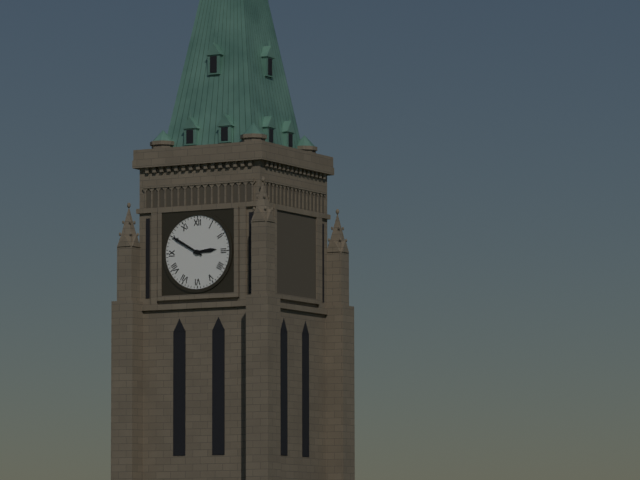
2:50
